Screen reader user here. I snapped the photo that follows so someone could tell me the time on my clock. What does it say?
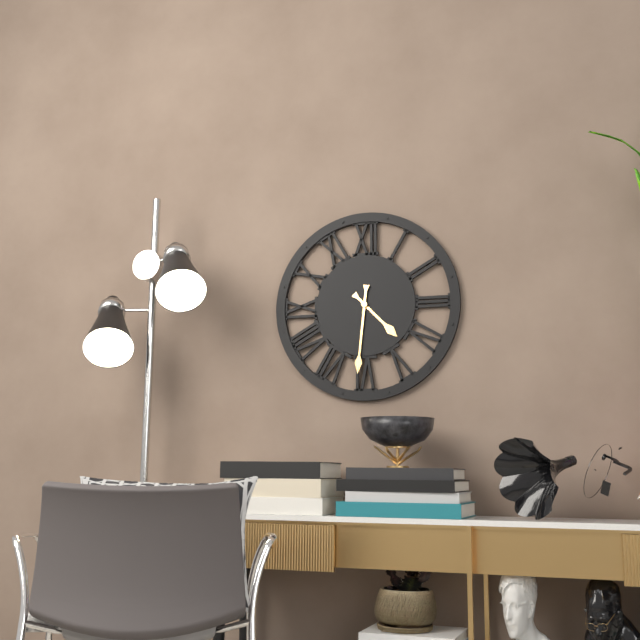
4:31
